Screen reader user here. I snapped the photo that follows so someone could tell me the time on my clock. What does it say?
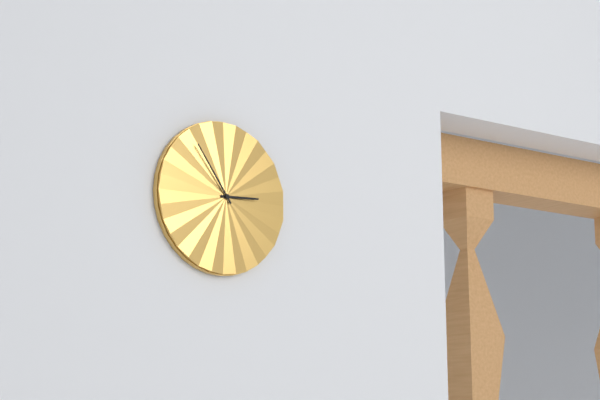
2:54
